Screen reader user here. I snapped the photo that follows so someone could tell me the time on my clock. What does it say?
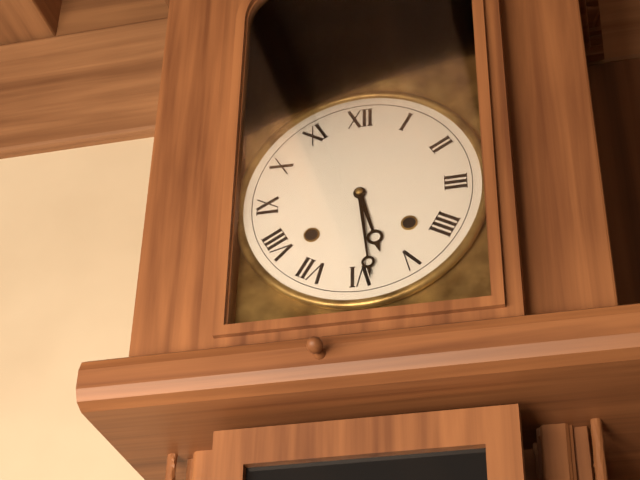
5:29
